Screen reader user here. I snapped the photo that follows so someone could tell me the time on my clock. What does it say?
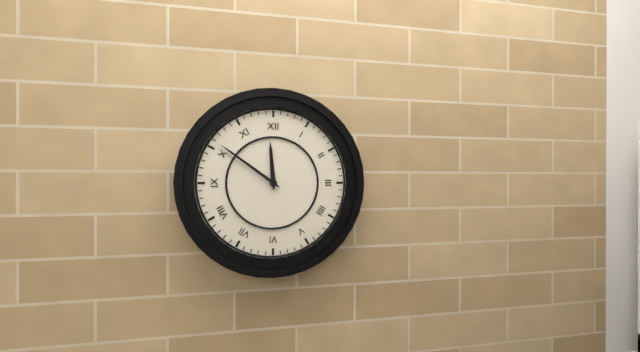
11:51
